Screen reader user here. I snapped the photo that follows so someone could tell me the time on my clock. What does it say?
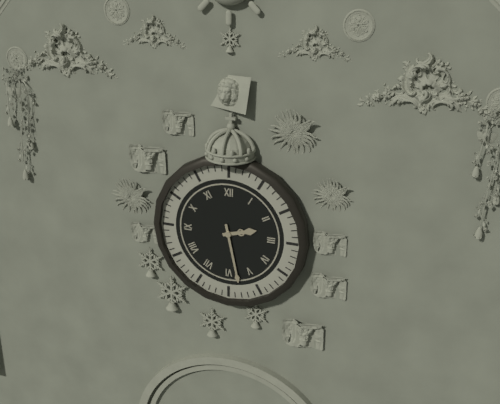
2:28
